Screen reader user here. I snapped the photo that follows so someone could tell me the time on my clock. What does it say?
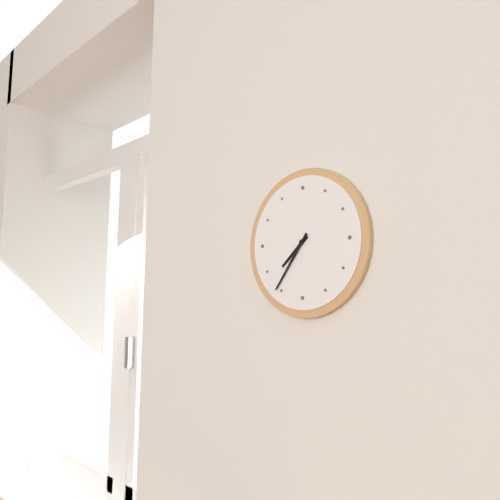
7:36
